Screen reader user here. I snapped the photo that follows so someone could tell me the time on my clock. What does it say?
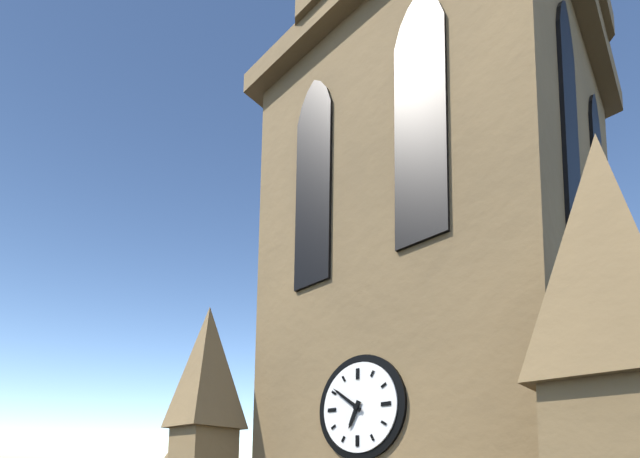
6:51
